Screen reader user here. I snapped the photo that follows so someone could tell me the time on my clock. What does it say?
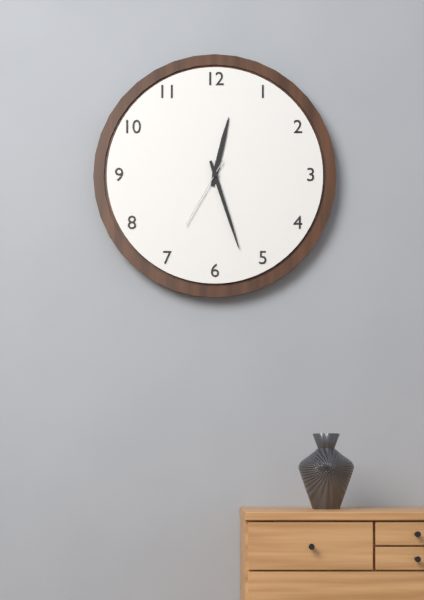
12:27:35
